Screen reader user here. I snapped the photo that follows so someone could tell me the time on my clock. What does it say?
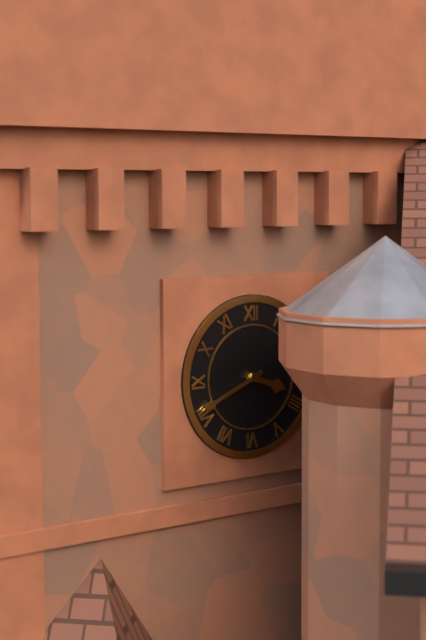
3:41
